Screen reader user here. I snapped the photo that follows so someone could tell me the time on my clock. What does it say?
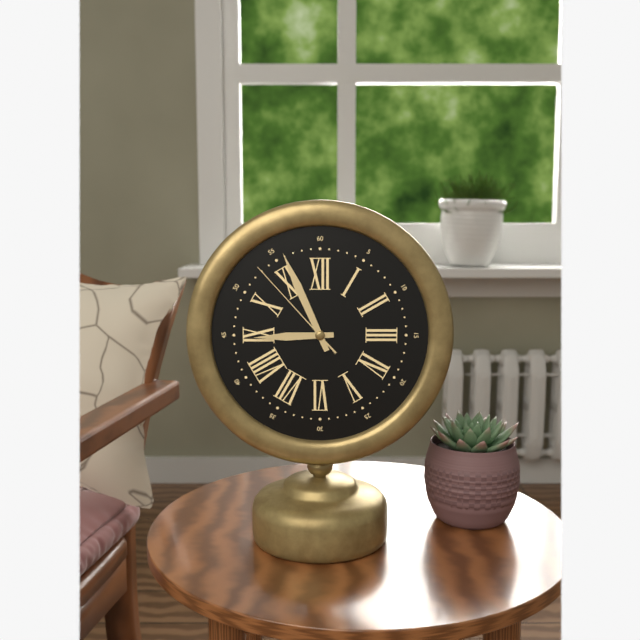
8:56:53
